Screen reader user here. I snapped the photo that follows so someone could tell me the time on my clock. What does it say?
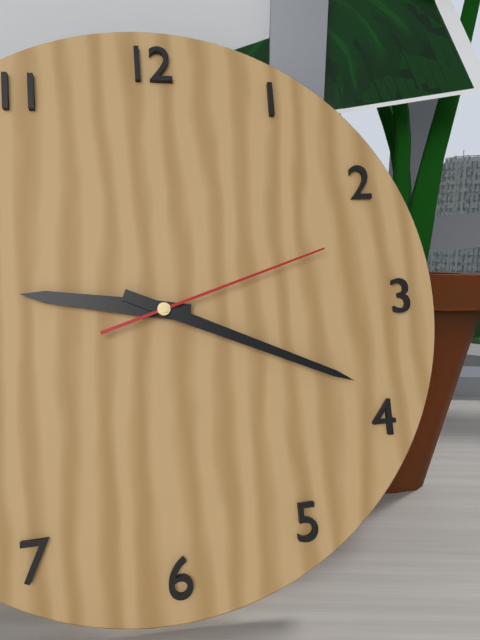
9:19:12
